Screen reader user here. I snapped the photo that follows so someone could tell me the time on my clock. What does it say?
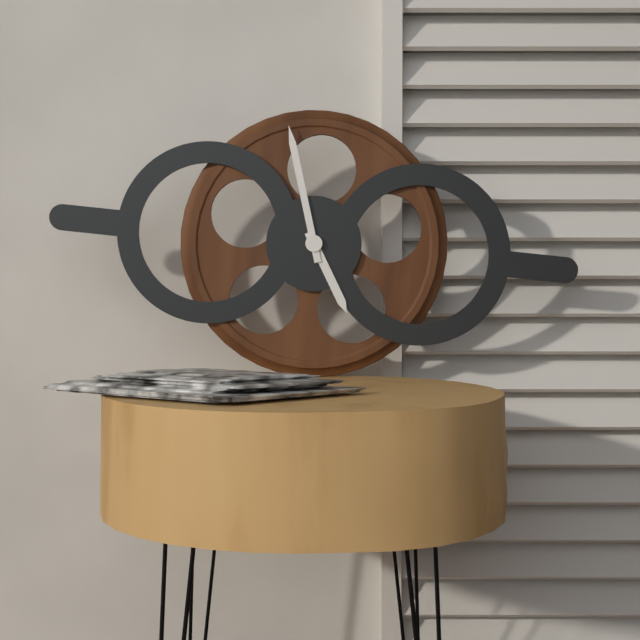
4:57
